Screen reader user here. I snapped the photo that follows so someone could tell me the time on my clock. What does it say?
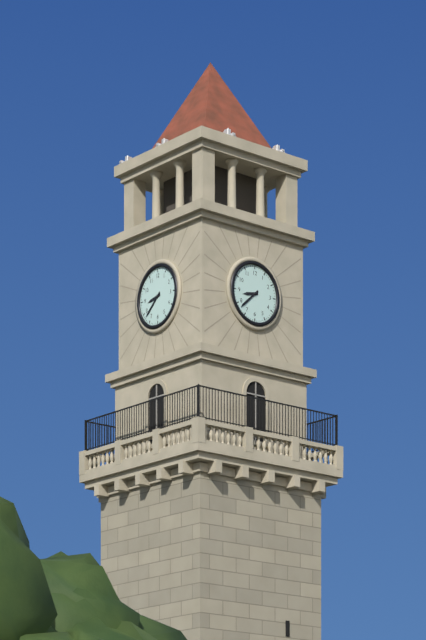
8:38
